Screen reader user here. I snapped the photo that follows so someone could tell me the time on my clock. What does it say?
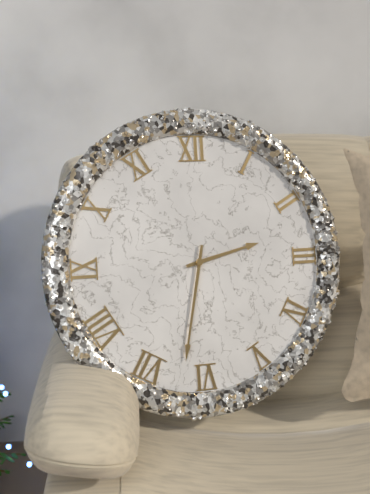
2:32
